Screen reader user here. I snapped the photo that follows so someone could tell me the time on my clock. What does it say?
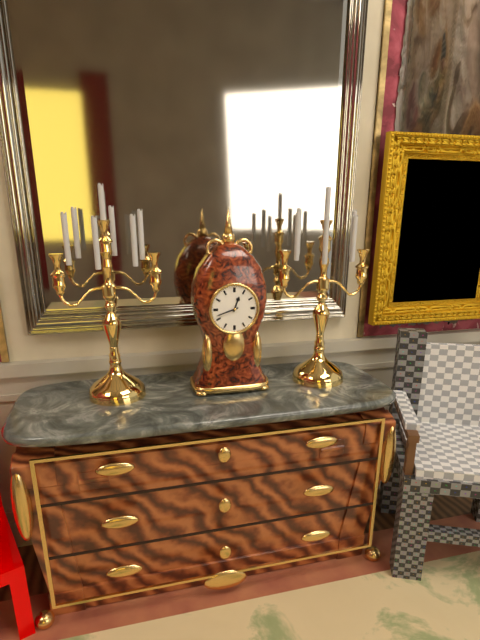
12:42
